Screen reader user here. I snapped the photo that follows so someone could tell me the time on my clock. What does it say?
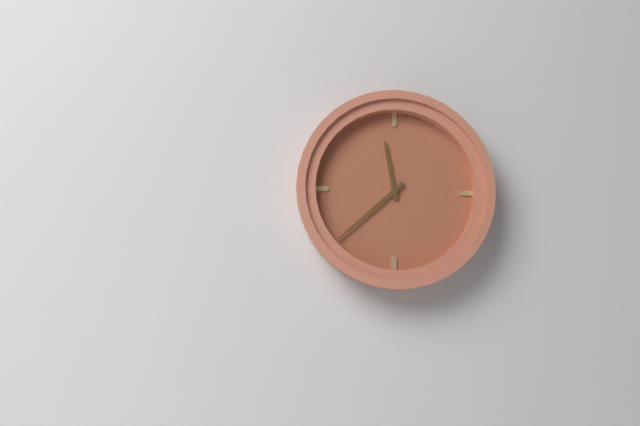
11:38
